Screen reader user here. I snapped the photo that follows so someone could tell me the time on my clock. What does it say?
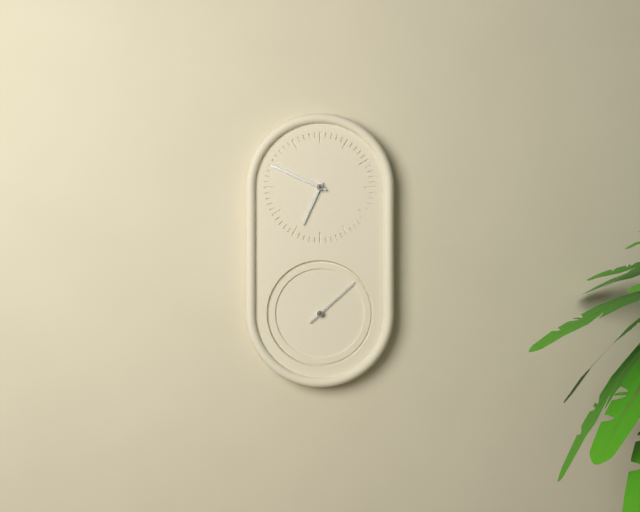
6:49:08
